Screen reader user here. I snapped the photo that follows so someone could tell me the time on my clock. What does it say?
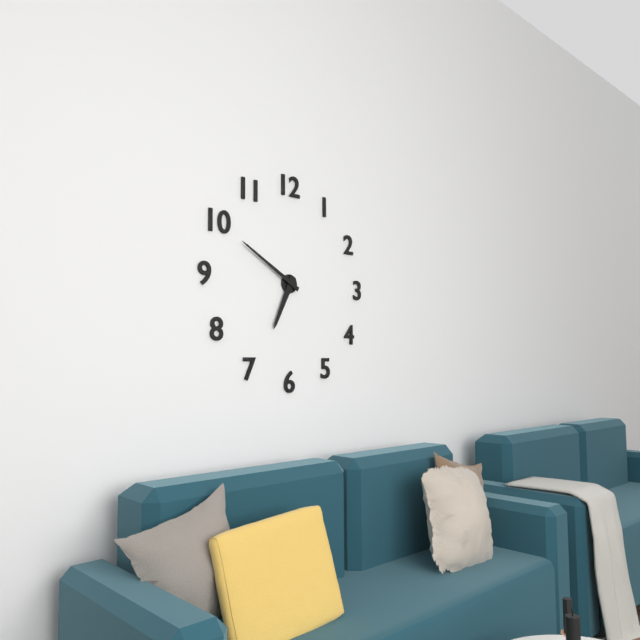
6:50
